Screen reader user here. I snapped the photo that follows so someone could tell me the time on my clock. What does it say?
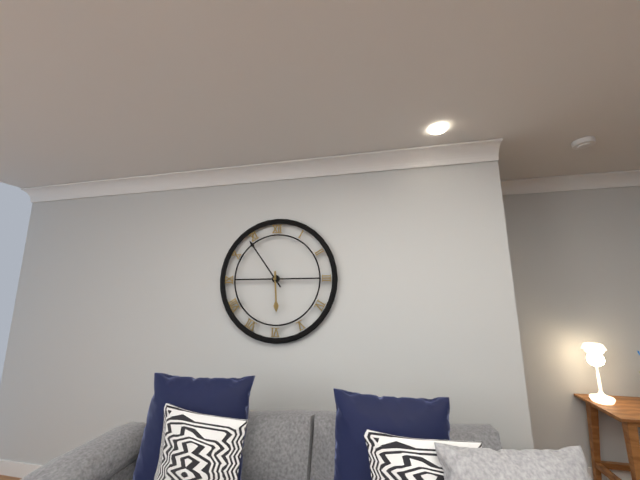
5:54
